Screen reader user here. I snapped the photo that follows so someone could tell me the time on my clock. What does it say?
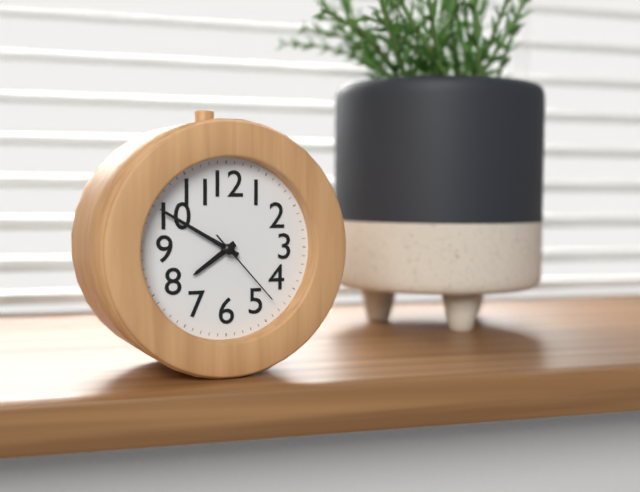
7:50:23
